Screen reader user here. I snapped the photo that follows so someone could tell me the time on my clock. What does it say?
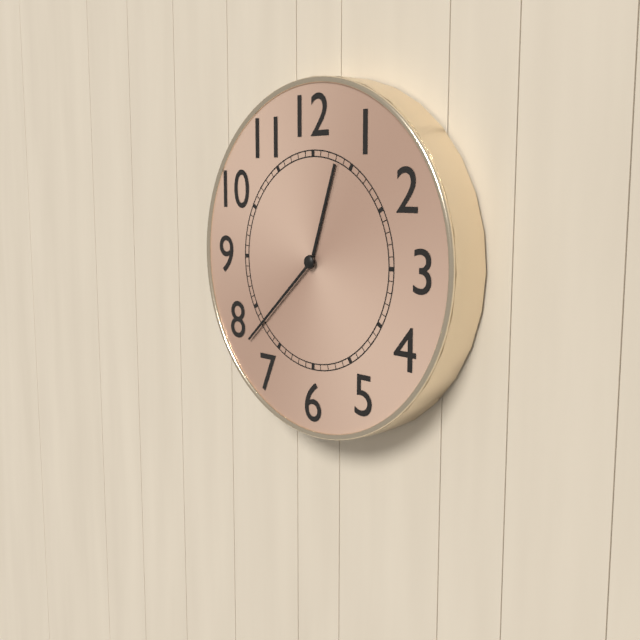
12:38
